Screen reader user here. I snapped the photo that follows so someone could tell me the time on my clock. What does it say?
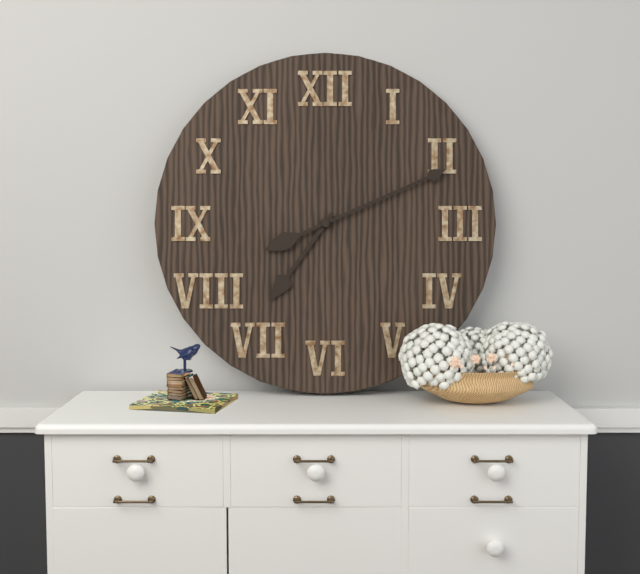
7:11
